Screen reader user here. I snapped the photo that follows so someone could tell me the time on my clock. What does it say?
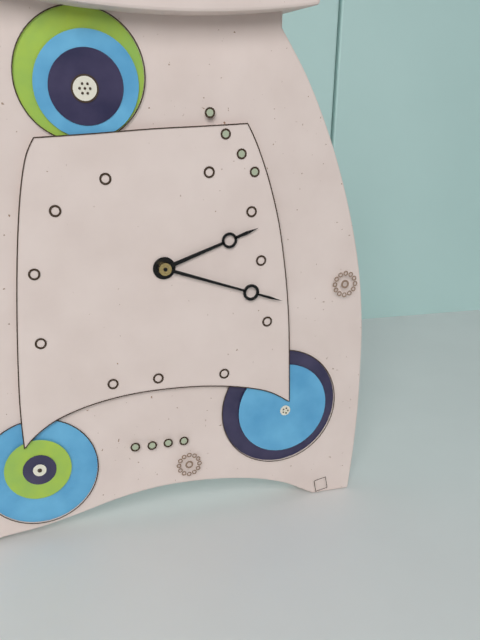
2:18
